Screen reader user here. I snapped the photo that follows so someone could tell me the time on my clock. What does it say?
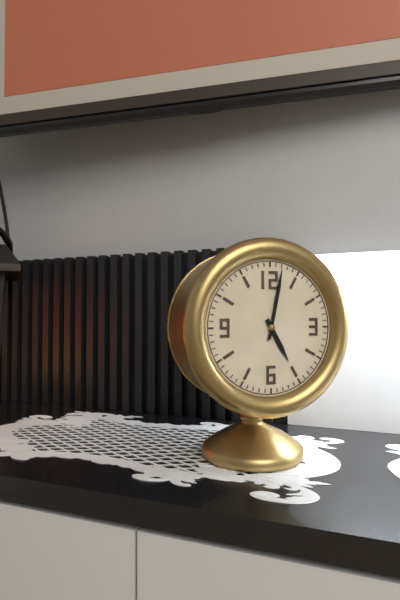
5:02
